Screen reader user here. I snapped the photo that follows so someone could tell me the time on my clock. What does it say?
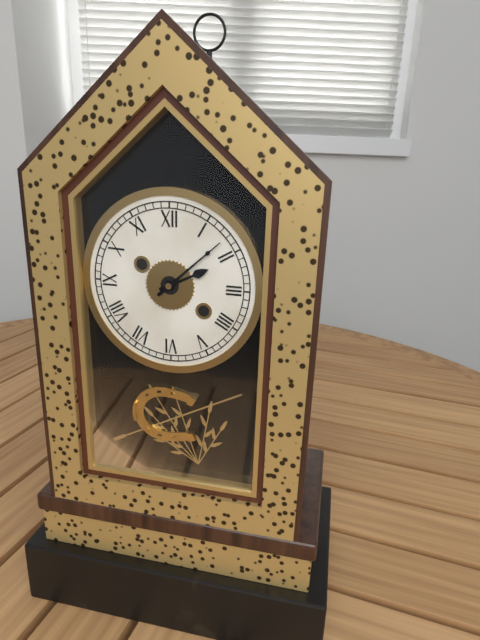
2:08
